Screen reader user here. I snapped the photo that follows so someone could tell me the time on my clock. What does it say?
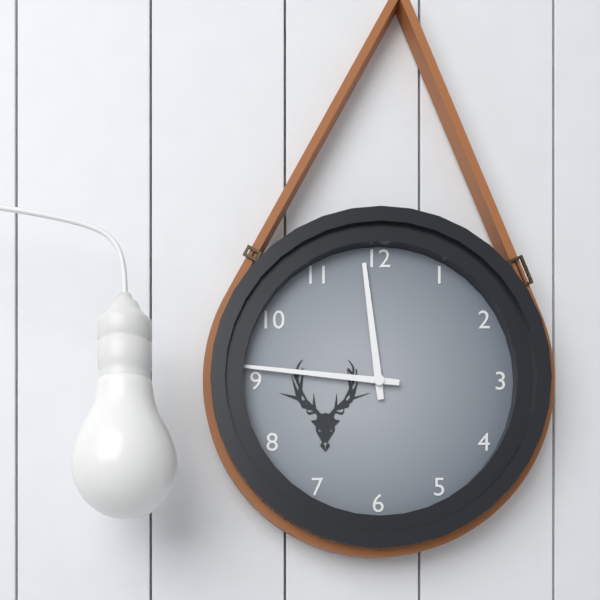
11:46
